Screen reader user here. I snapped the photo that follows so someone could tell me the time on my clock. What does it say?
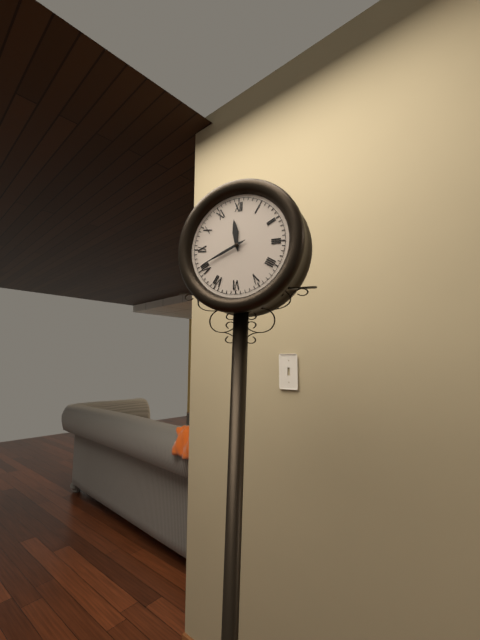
11:41
